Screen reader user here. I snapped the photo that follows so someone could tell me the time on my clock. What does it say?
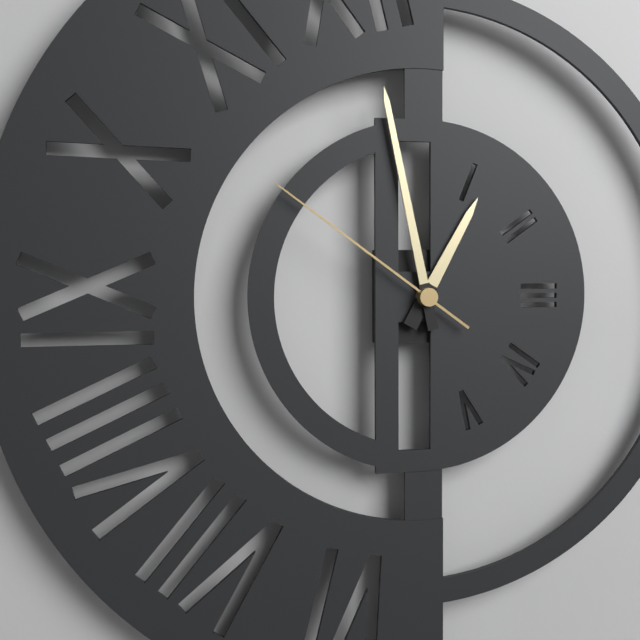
12:58:51
